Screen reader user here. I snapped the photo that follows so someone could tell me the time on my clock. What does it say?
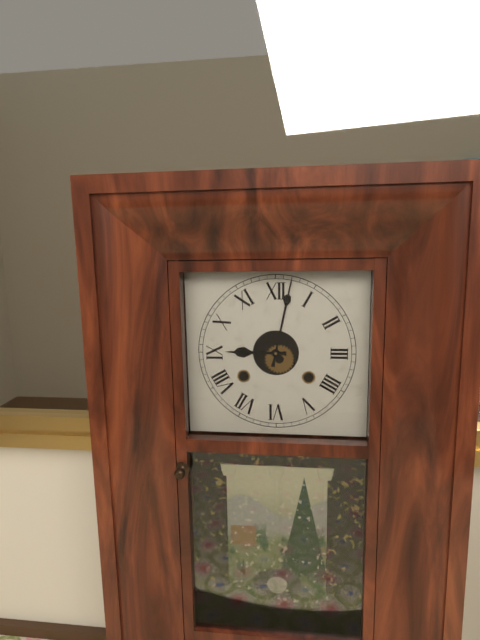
9:02
